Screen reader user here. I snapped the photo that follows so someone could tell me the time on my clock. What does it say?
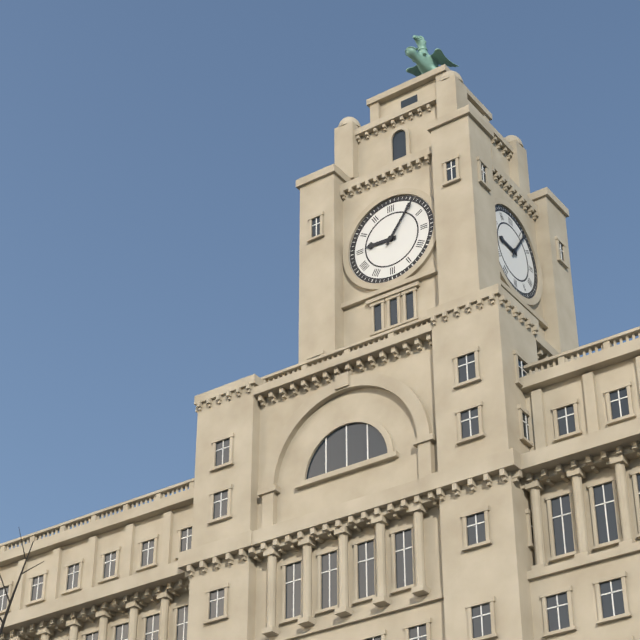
9:06
